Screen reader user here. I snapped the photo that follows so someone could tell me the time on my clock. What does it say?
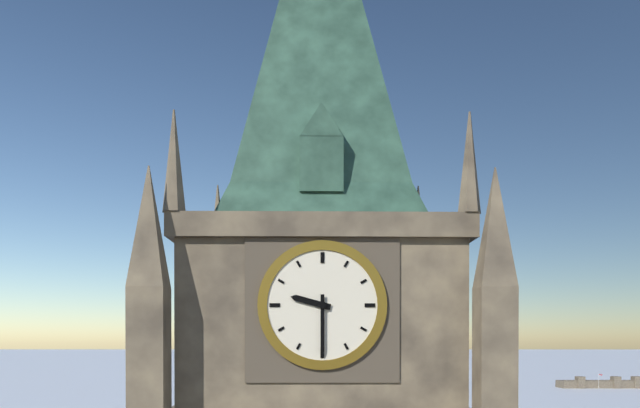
9:30
